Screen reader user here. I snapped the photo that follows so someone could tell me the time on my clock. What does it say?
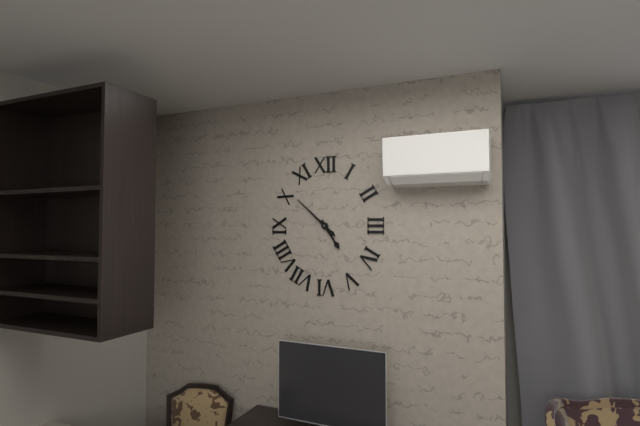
4:52
